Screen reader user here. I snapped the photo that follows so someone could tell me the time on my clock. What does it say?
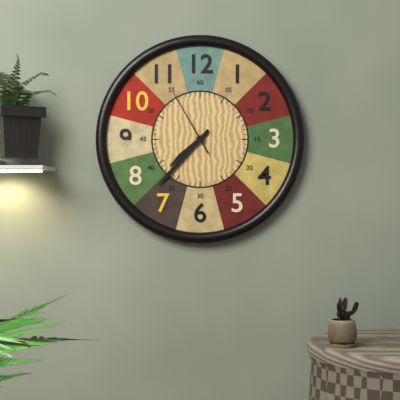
7:37:55
